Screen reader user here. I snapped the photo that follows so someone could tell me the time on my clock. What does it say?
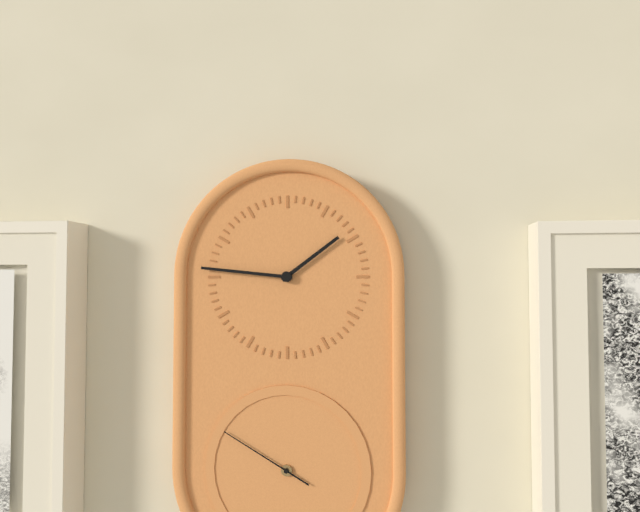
1:46:50
